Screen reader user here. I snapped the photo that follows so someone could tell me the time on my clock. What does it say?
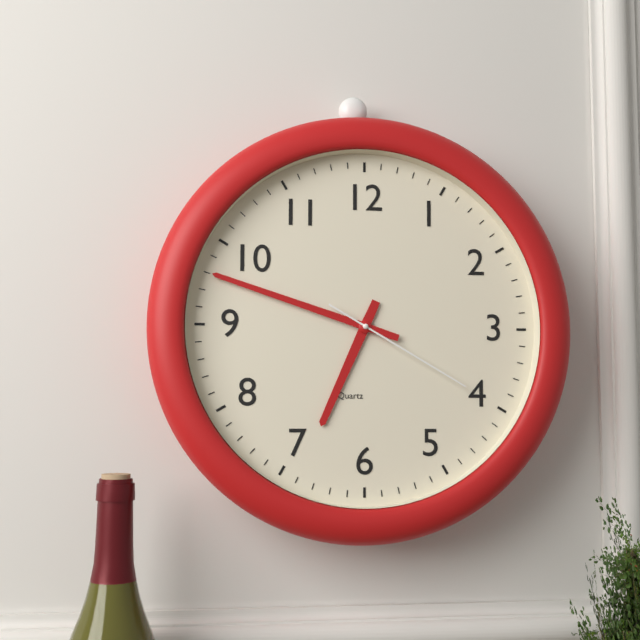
6:48:20
